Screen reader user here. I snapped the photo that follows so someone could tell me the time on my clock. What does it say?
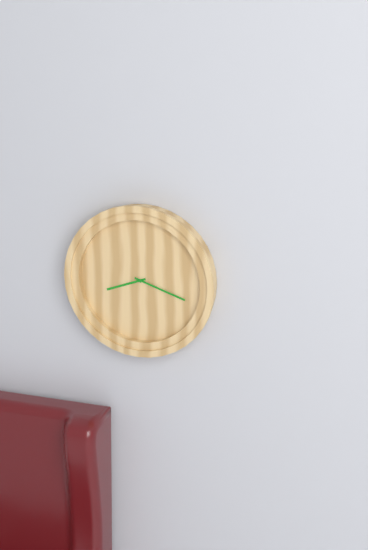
8:18
